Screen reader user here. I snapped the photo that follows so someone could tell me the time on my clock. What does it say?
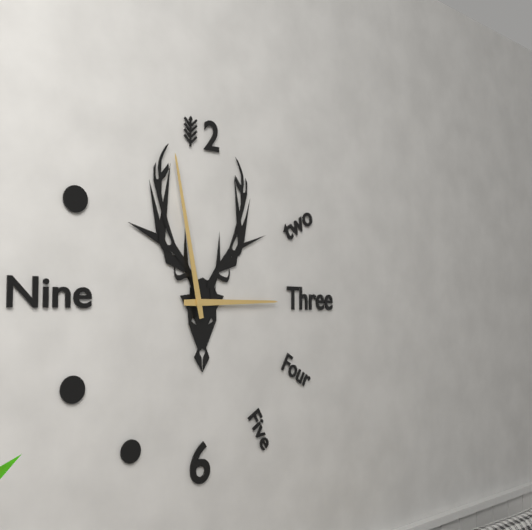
2:58
